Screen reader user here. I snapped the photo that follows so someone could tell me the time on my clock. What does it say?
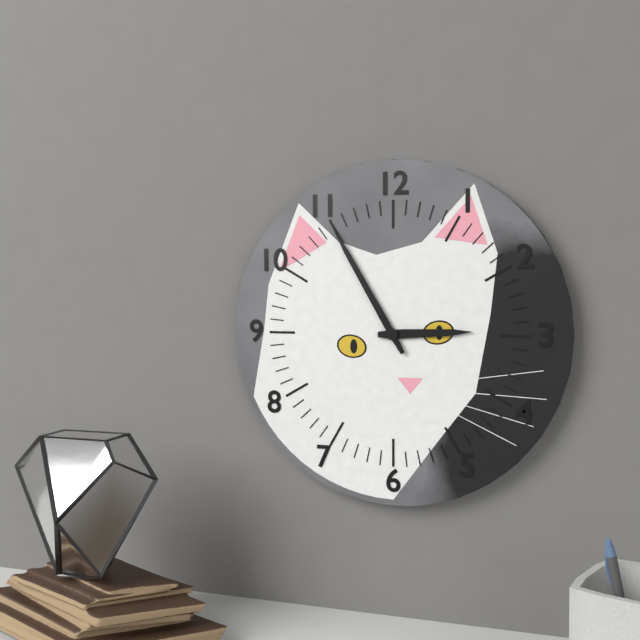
2:55
